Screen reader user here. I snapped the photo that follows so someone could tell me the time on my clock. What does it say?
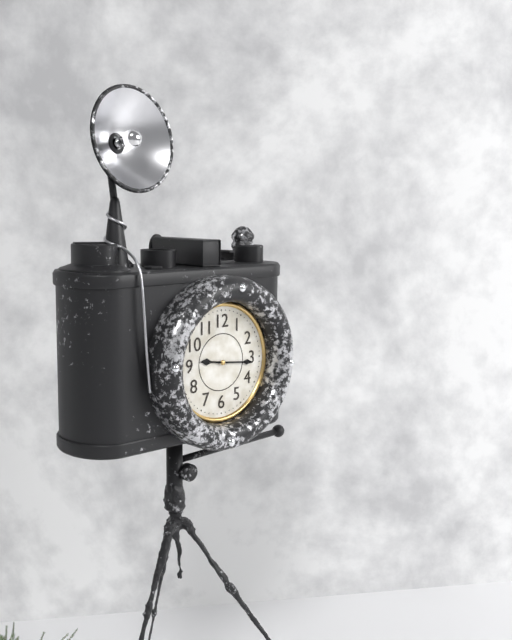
9:16
